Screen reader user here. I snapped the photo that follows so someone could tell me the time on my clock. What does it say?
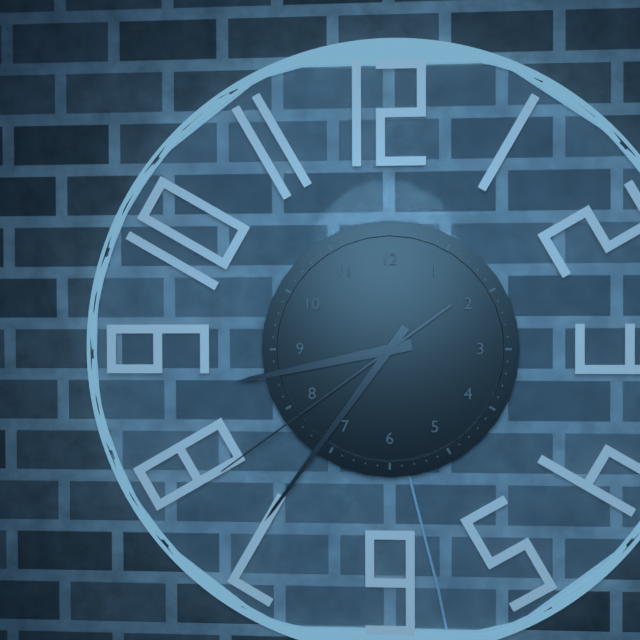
8:36:39
